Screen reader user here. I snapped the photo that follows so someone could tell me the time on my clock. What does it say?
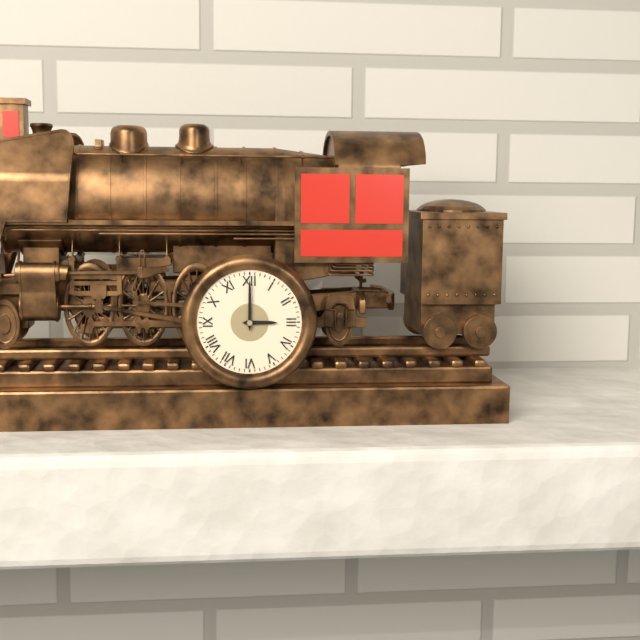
3:00
